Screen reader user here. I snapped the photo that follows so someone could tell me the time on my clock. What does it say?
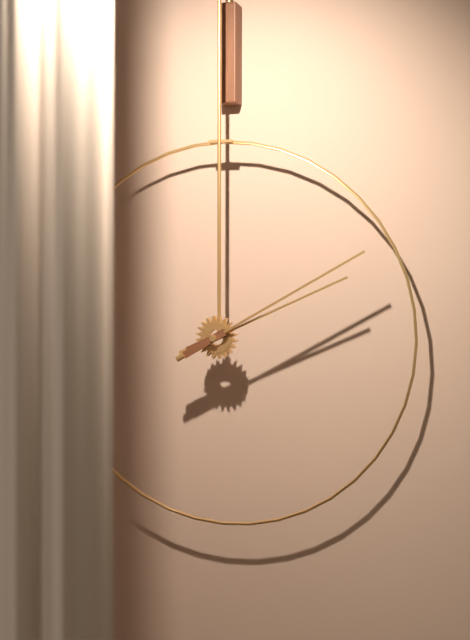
2:10
